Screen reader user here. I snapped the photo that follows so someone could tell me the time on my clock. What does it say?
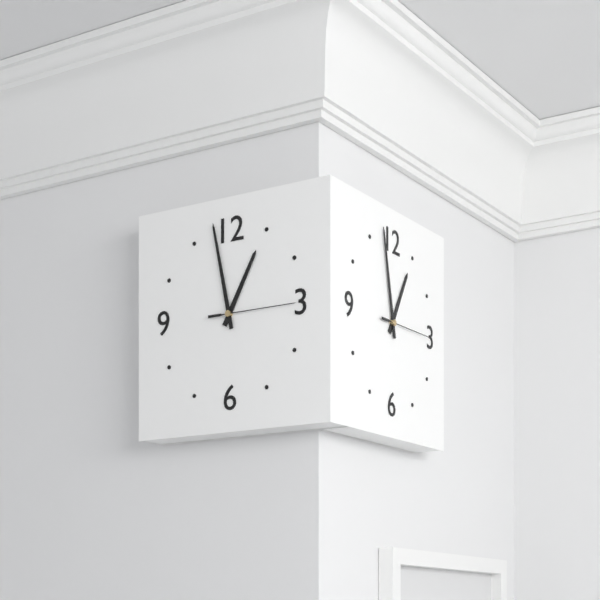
12:58:15
